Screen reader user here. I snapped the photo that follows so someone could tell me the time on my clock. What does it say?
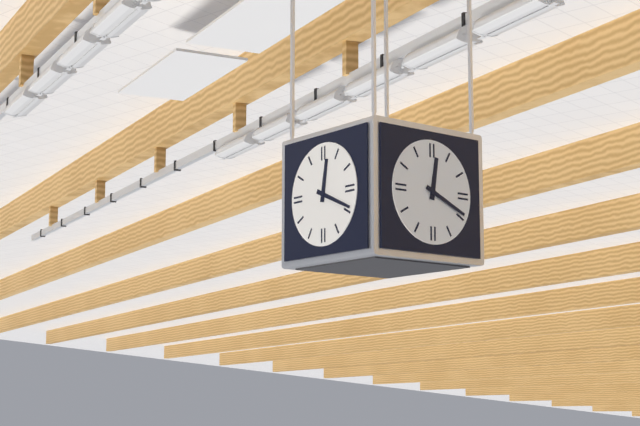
12:19
